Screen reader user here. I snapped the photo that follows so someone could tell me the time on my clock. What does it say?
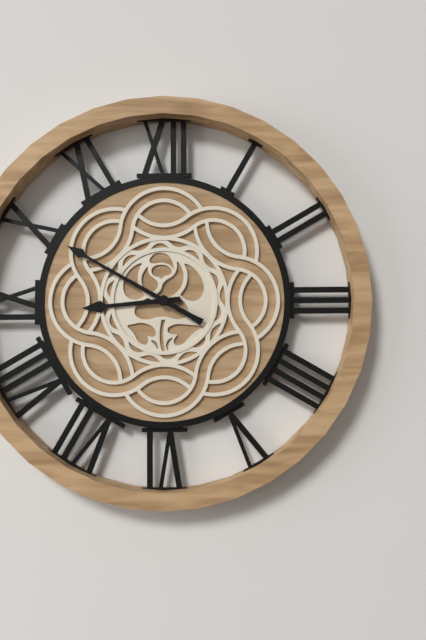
8:50
